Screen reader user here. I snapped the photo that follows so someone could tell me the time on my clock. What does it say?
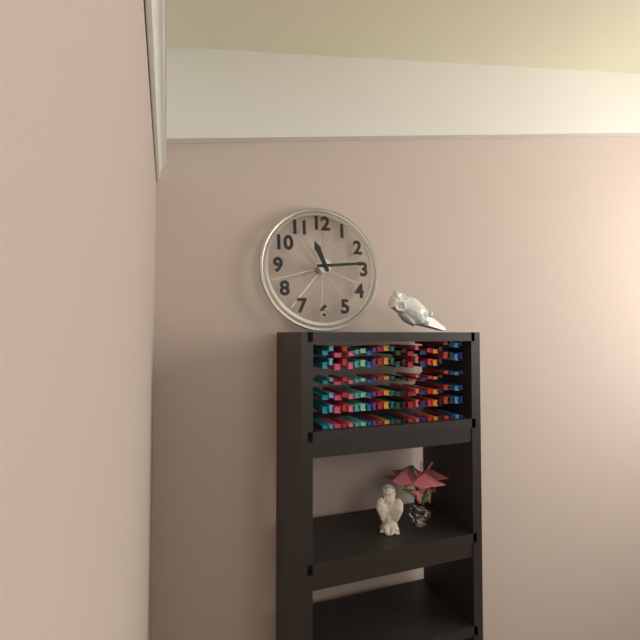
11:14
